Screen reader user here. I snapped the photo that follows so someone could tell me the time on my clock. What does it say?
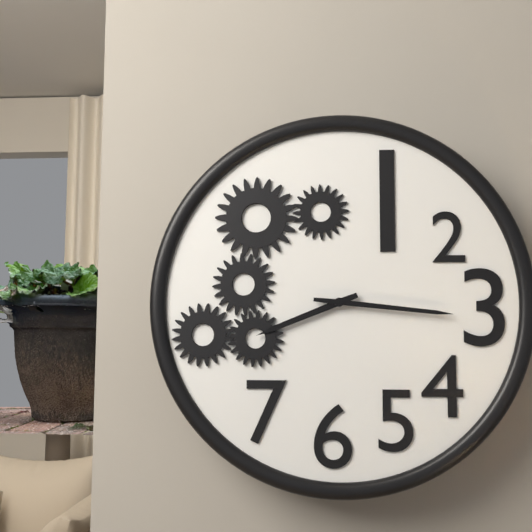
8:16
